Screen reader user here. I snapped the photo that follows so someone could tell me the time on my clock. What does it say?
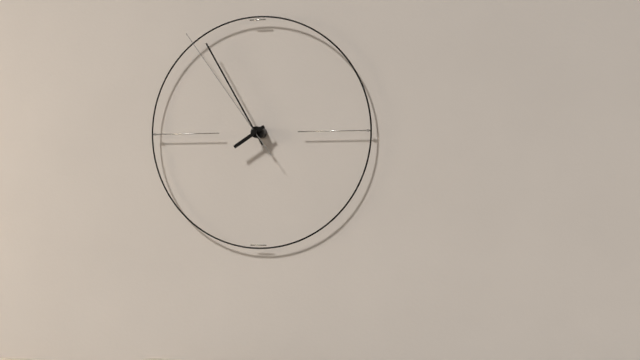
7:55:54
